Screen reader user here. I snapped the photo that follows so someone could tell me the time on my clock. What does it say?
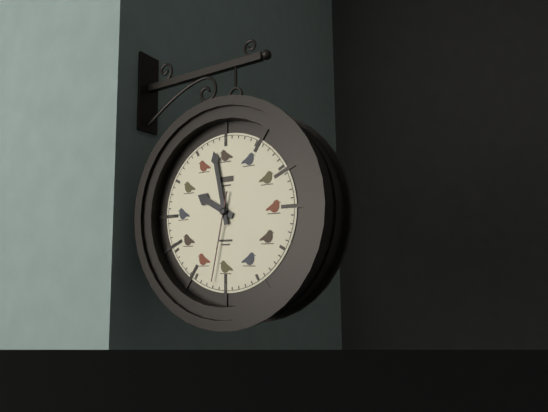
9:58:32
